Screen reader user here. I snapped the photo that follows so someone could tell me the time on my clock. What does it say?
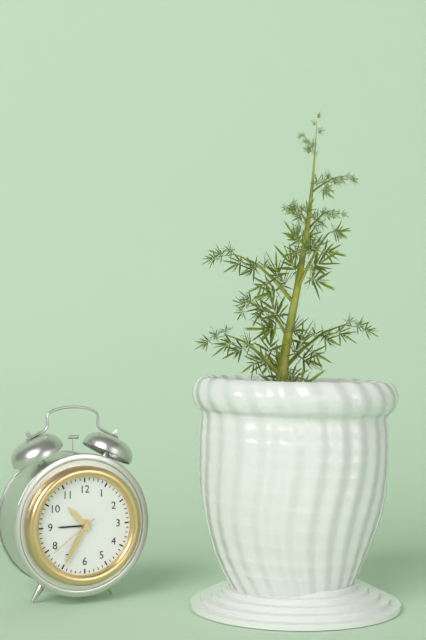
10:35:39
